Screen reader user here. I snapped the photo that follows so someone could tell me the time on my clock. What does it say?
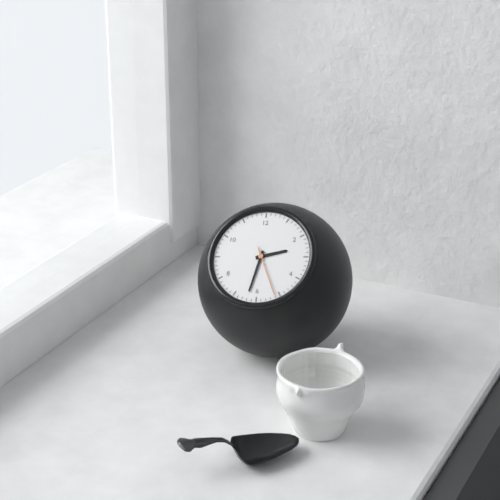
2:32
